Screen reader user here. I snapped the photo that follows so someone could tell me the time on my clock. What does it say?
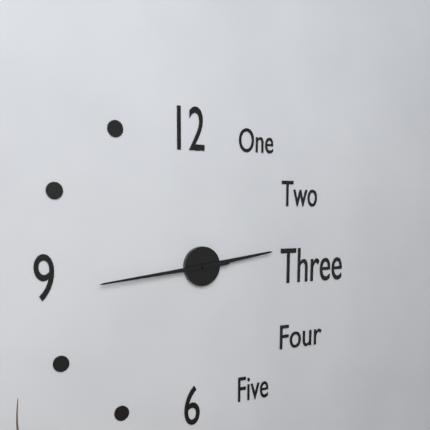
2:44
